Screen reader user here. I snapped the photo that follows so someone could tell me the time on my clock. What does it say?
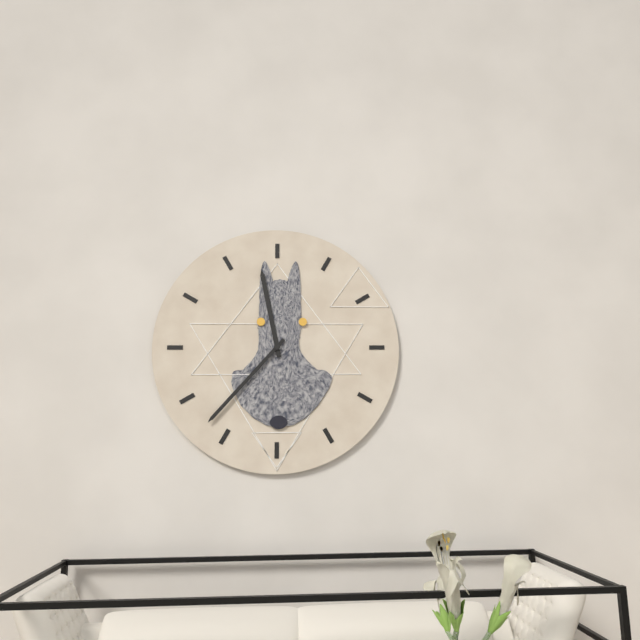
11:37
